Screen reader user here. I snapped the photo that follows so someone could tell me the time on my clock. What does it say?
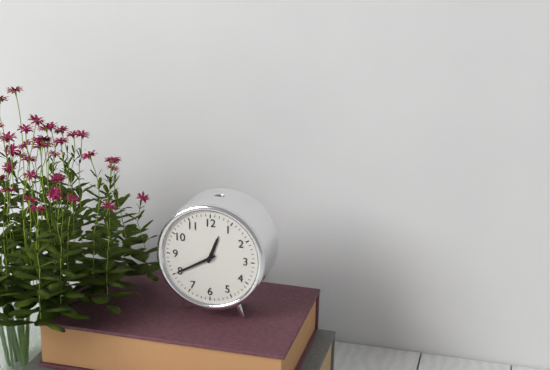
12:40
